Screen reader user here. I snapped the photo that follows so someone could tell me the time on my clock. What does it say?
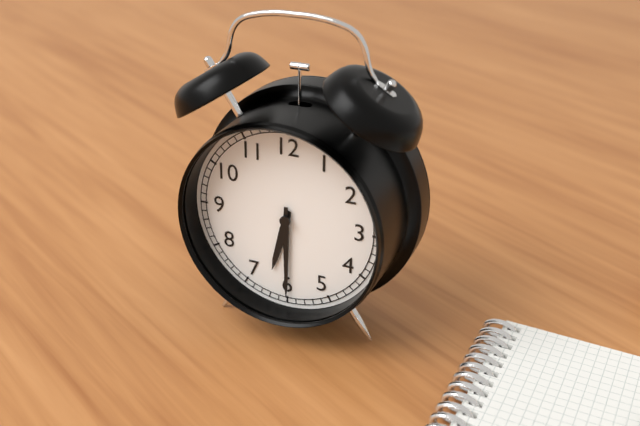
6:30
